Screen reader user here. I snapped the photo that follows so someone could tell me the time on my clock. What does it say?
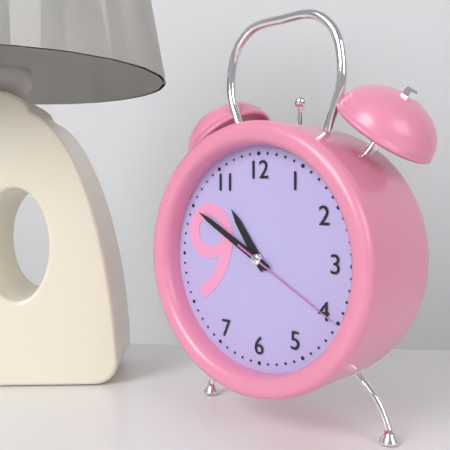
10:50:20
